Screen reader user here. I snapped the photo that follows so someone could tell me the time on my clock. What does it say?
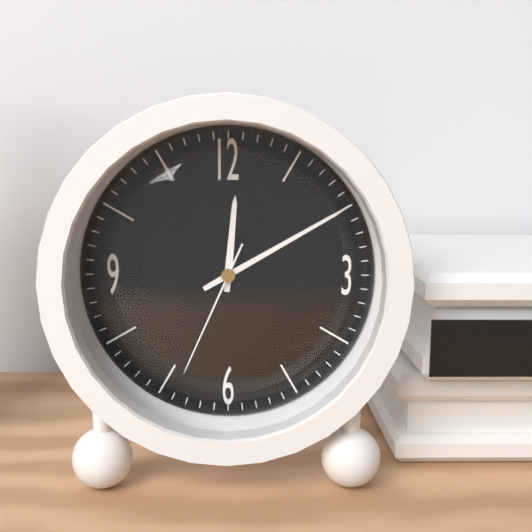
12:10:34
